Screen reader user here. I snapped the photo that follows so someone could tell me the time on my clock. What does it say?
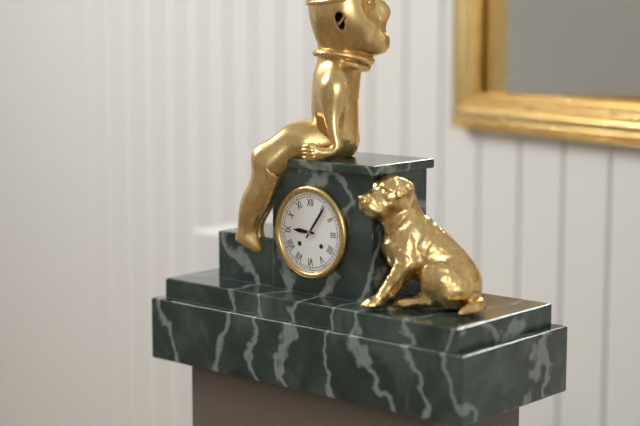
9:06
